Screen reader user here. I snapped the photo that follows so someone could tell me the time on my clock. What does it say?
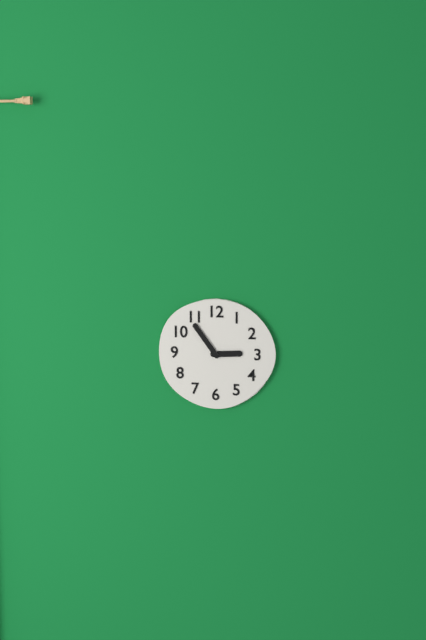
2:54
